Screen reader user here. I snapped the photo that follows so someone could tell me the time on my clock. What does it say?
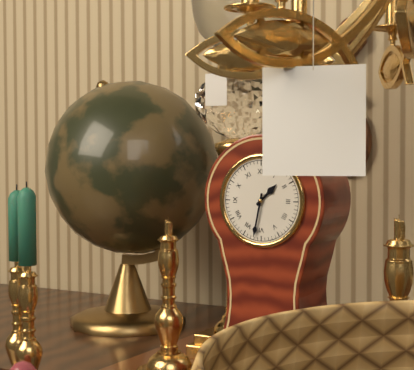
1:32
